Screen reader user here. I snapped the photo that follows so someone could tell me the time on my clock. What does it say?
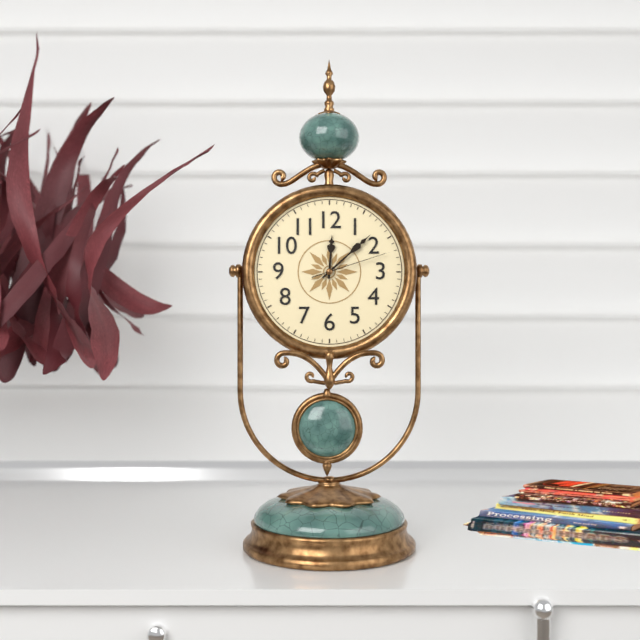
12:08:12
